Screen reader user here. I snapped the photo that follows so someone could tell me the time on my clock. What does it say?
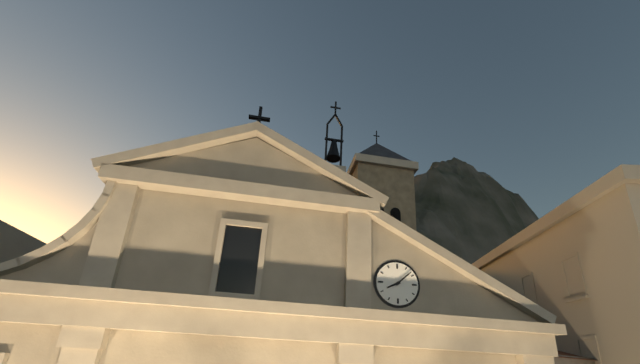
8:08
